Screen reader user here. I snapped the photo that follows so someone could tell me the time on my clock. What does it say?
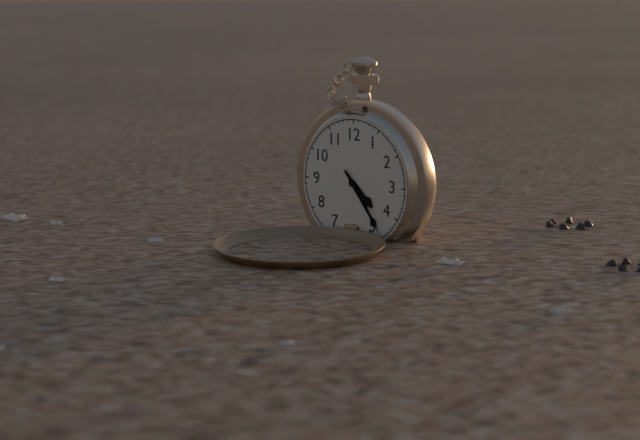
4:24:24
